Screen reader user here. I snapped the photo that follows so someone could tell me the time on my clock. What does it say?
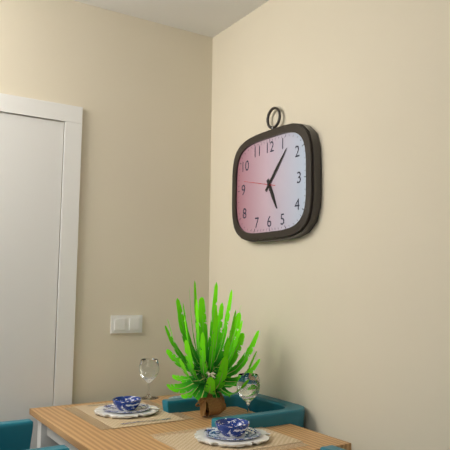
5:07
